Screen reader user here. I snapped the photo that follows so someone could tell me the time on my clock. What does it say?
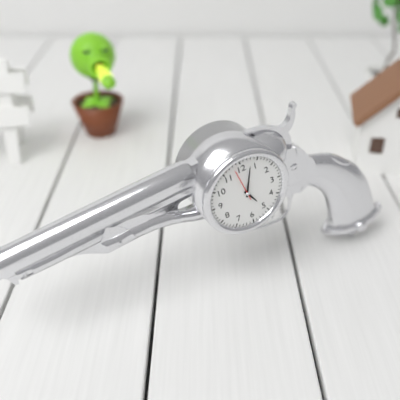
5:03
